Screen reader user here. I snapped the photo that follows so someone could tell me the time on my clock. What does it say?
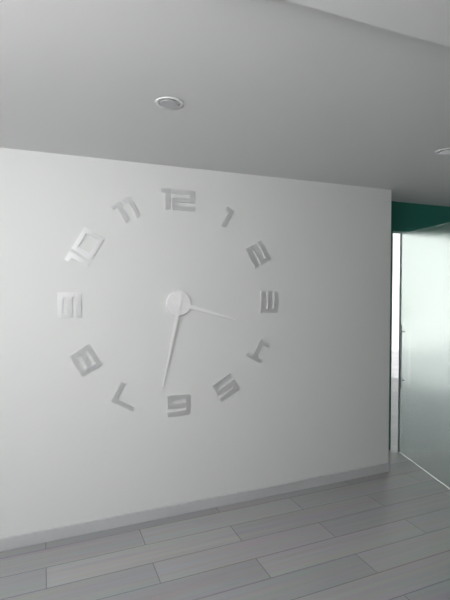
3:32
